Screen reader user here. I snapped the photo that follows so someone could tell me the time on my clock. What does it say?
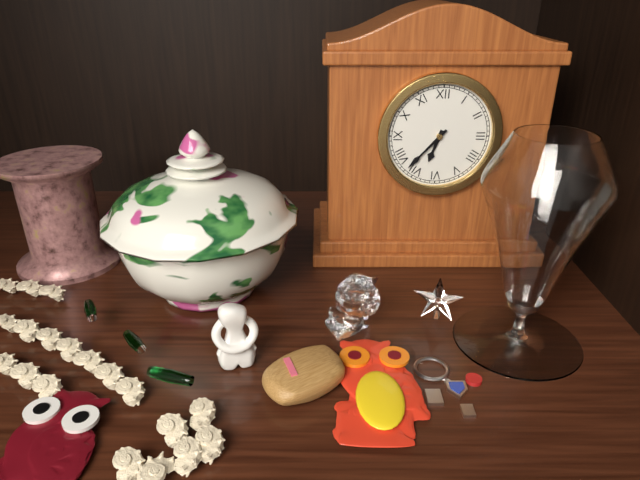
6:37
